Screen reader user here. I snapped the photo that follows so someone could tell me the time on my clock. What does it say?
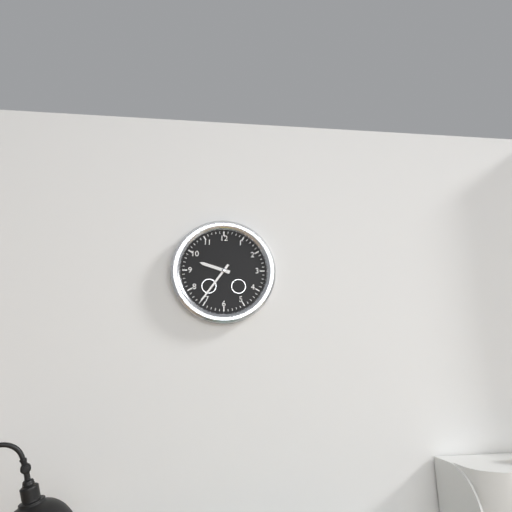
9:36
